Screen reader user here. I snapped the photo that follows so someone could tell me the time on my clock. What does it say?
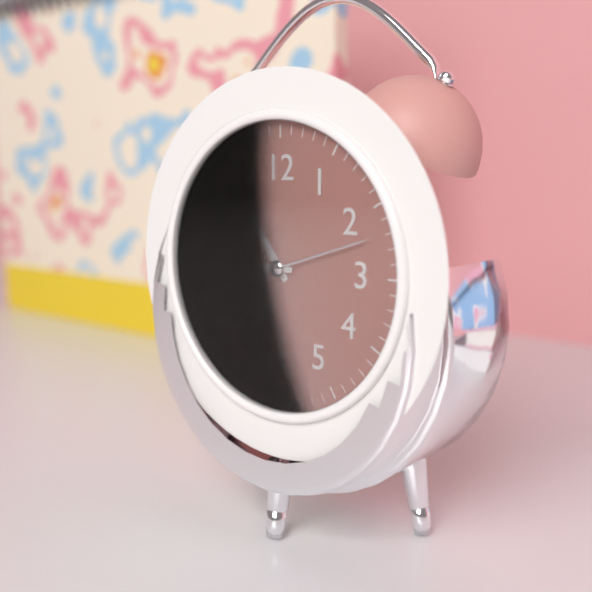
10:45:12
